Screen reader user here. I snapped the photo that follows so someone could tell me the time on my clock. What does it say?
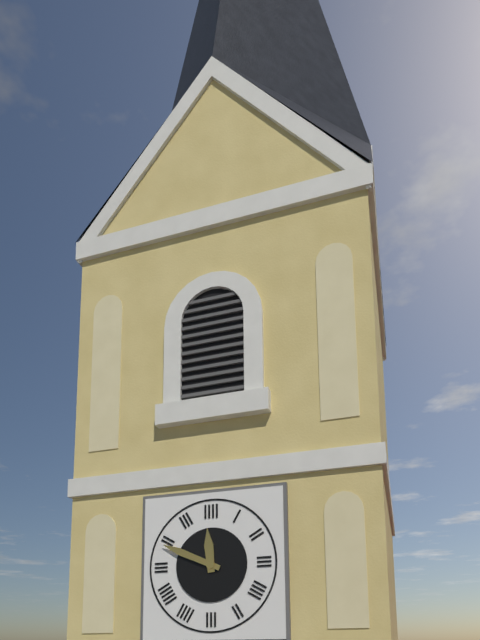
11:49
